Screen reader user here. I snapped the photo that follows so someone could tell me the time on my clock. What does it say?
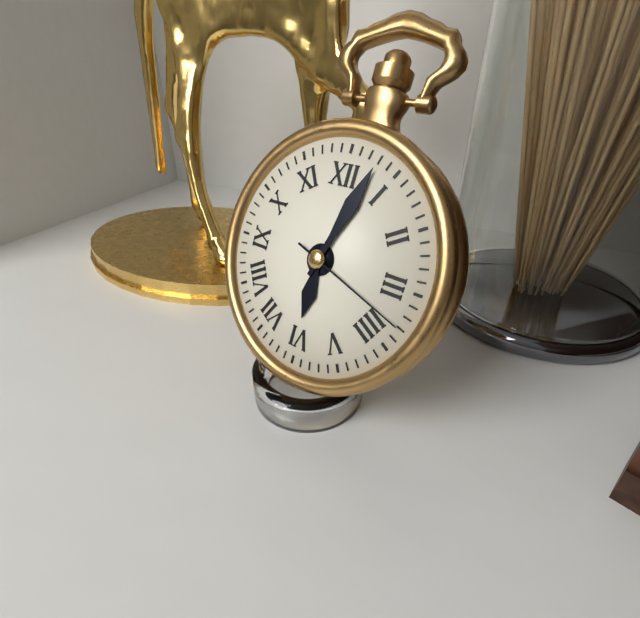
6:03:18
